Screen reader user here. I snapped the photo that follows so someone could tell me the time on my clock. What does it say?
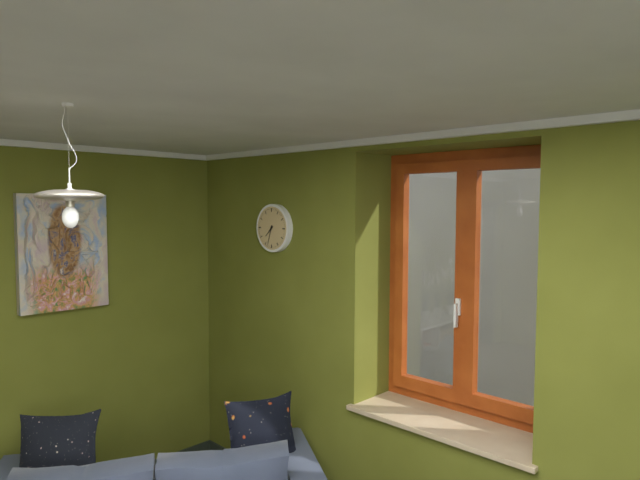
7:33
